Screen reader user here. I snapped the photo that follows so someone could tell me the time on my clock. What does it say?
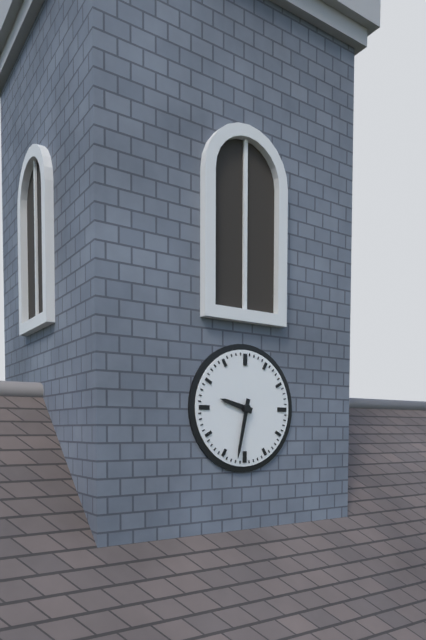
9:32
